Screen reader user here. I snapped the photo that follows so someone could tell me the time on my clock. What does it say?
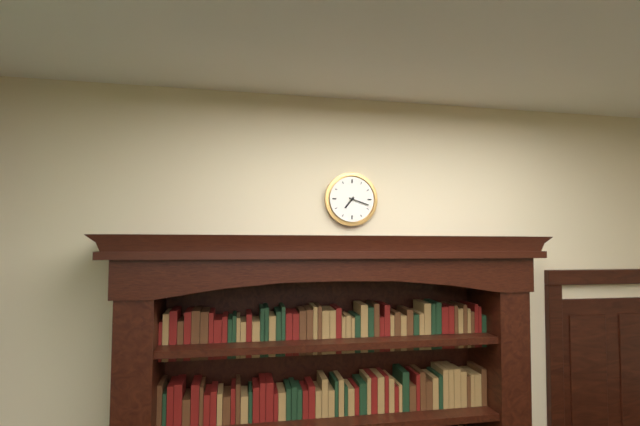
7:18
